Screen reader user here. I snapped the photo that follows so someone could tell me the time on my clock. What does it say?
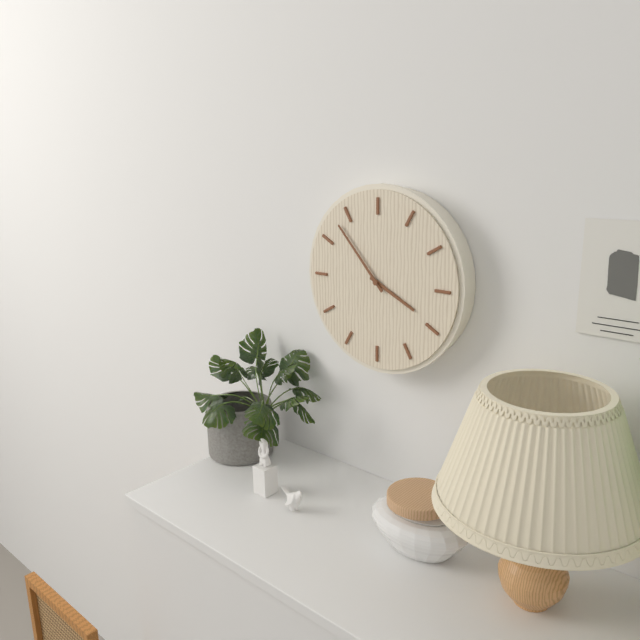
3:53
